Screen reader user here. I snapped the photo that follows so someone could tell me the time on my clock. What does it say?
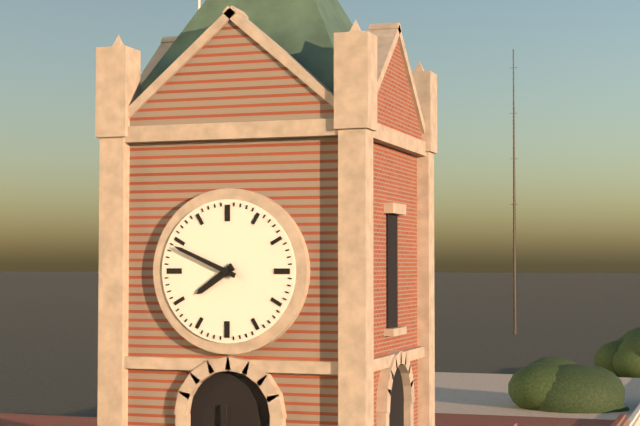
7:49
